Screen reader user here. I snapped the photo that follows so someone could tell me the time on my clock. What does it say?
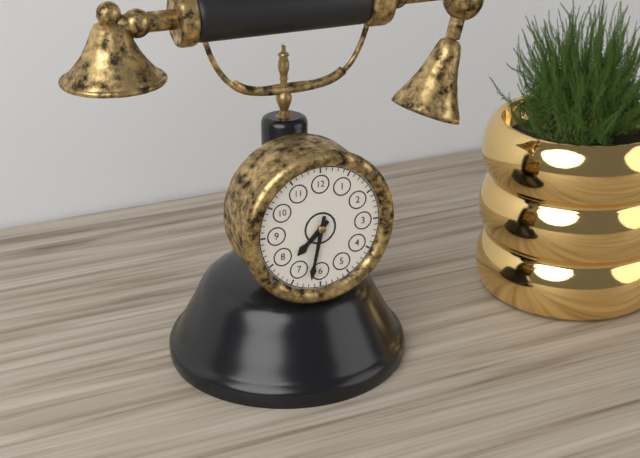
7:32
